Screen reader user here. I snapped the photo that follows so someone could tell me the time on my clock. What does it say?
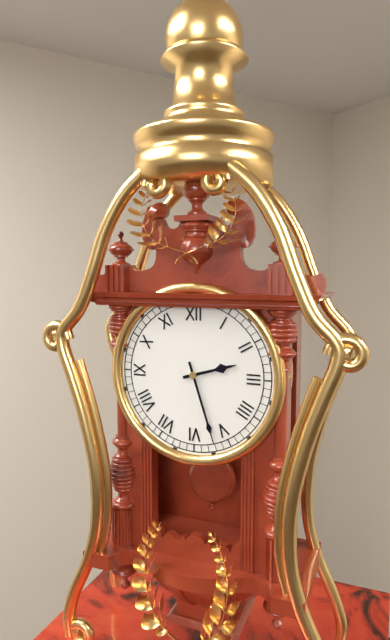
2:27
